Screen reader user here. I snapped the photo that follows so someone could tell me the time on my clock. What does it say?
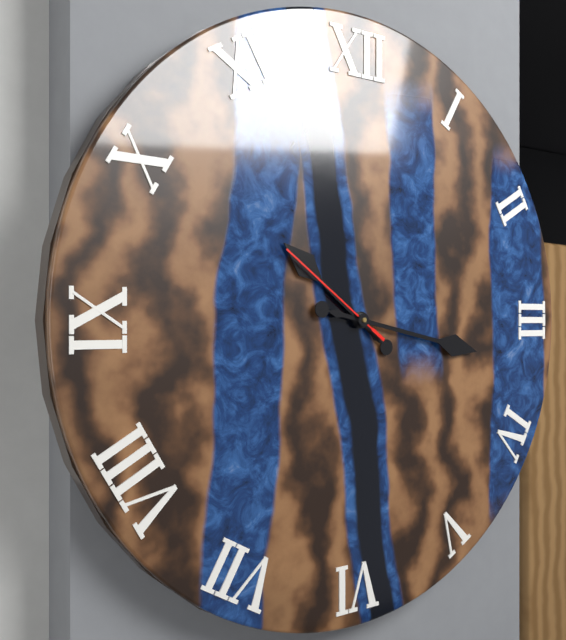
10:17:51
